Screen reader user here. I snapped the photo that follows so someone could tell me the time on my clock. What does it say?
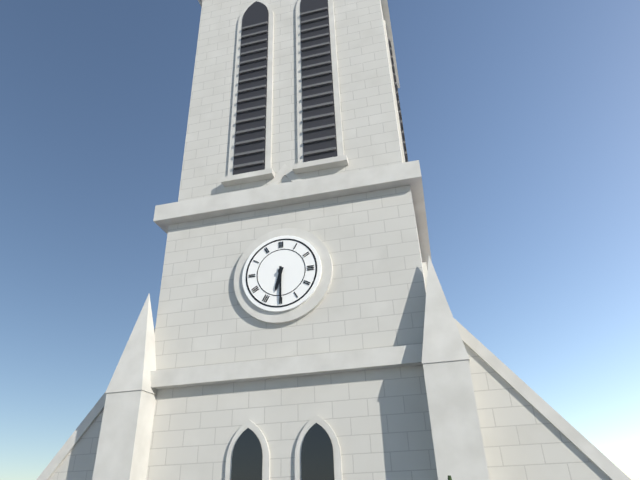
6:30
